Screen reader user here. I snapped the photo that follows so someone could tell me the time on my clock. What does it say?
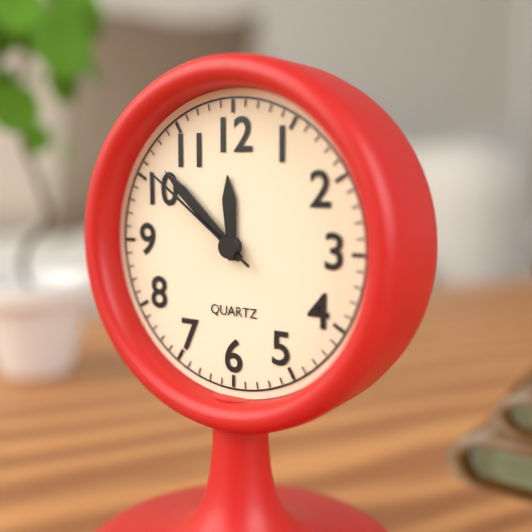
11:52:51
